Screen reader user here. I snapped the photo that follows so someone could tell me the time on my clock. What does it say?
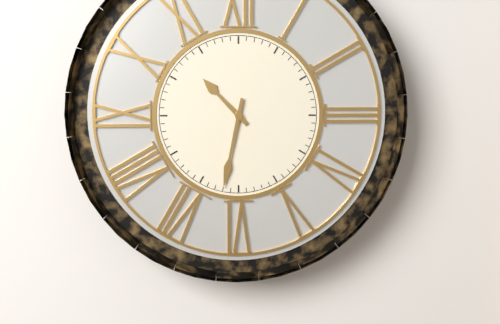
10:32
